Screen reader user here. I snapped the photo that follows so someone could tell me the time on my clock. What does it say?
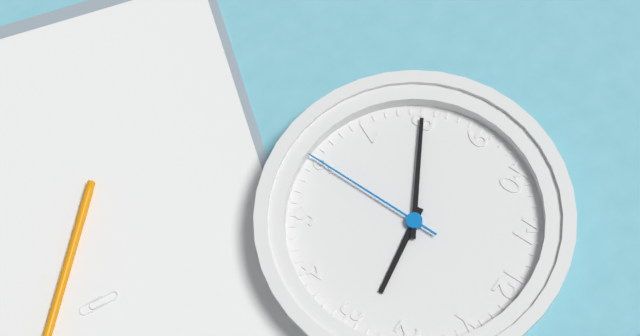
2:40:30
